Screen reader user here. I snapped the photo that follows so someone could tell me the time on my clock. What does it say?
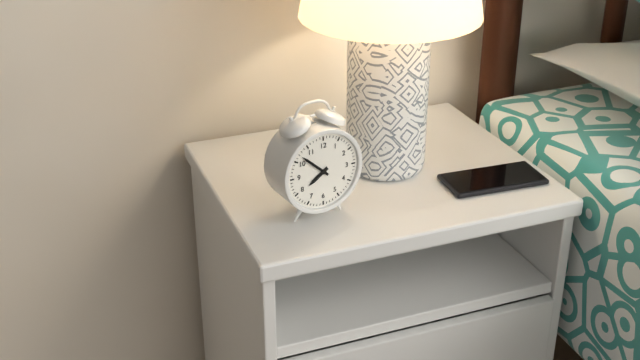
7:52
